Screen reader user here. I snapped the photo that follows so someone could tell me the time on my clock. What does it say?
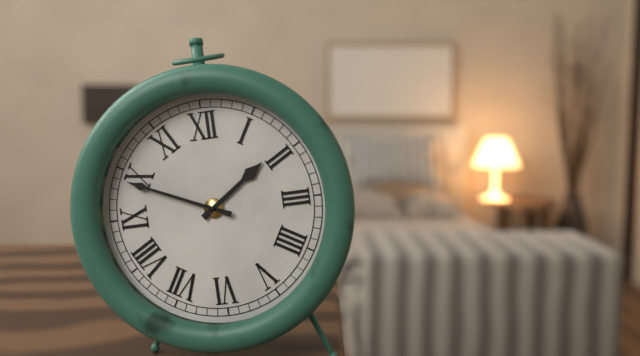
1:49
